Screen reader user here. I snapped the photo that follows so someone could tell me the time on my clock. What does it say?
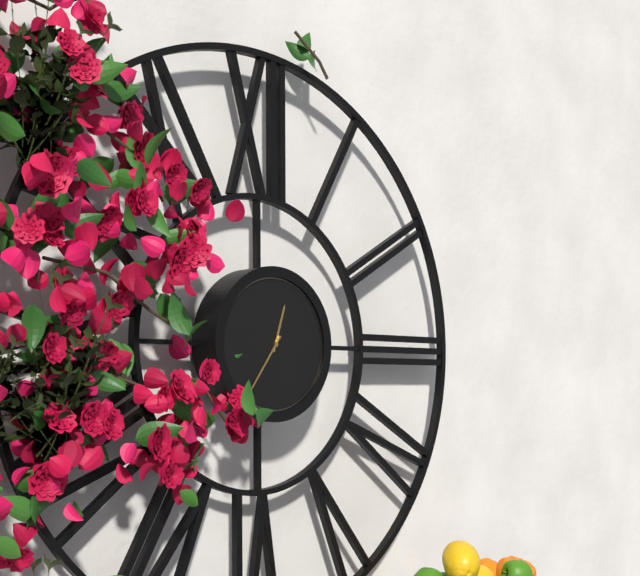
12:36
